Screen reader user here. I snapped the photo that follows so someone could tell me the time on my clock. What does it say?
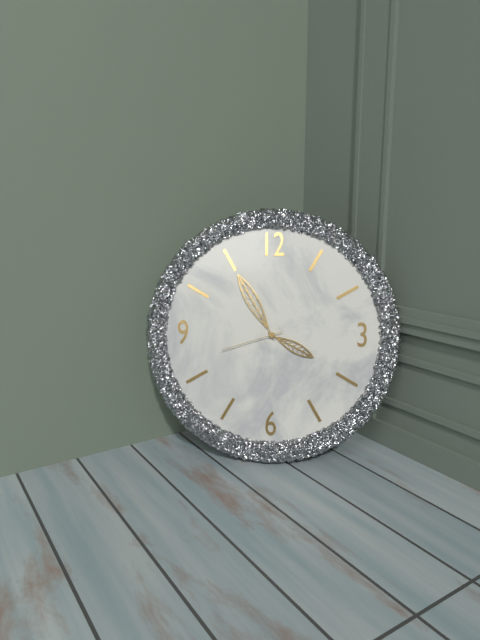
3:55:42
